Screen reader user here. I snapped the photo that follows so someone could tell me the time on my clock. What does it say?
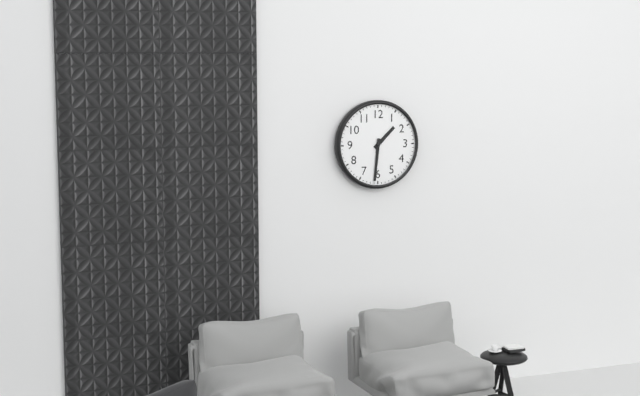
1:31
